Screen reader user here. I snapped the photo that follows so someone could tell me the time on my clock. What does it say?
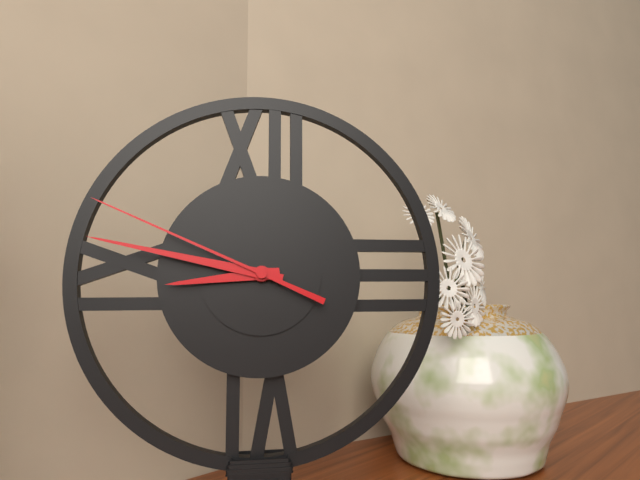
8:47:49
